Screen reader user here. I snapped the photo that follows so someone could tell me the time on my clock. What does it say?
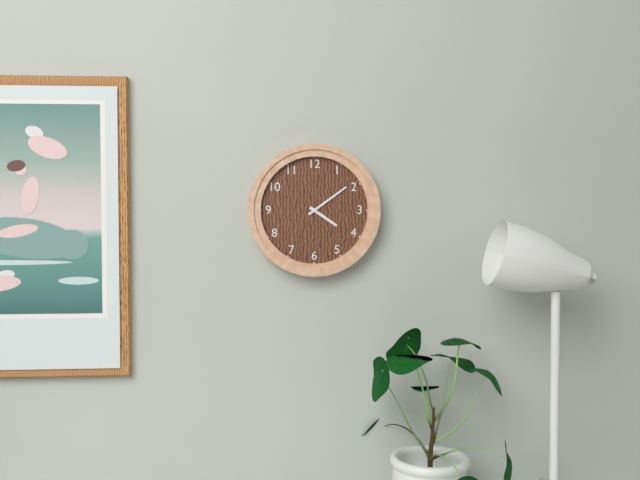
4:09
